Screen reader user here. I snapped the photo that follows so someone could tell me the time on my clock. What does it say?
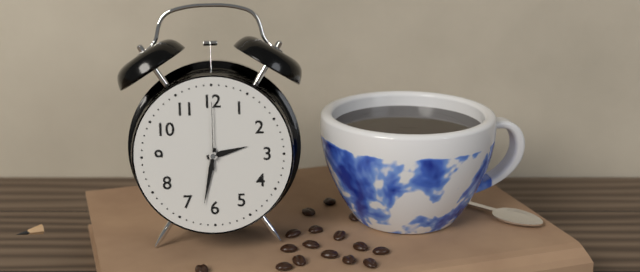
2:32:00
